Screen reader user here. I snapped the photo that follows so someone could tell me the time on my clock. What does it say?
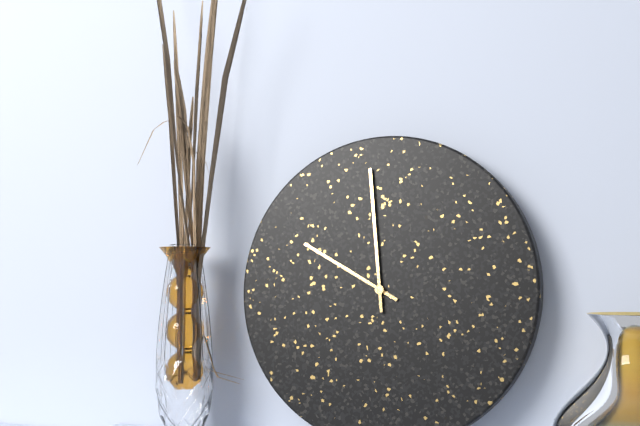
9:59
